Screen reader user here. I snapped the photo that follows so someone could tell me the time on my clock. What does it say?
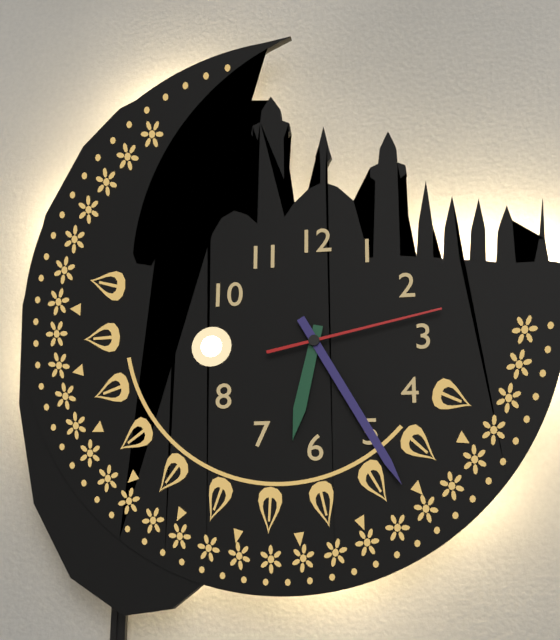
6:25:13
